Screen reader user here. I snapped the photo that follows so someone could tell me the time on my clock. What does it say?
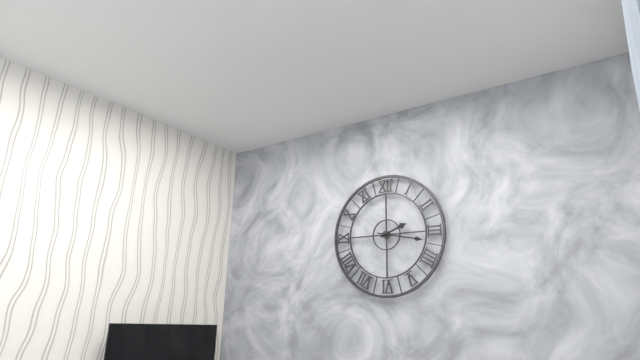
2:17
